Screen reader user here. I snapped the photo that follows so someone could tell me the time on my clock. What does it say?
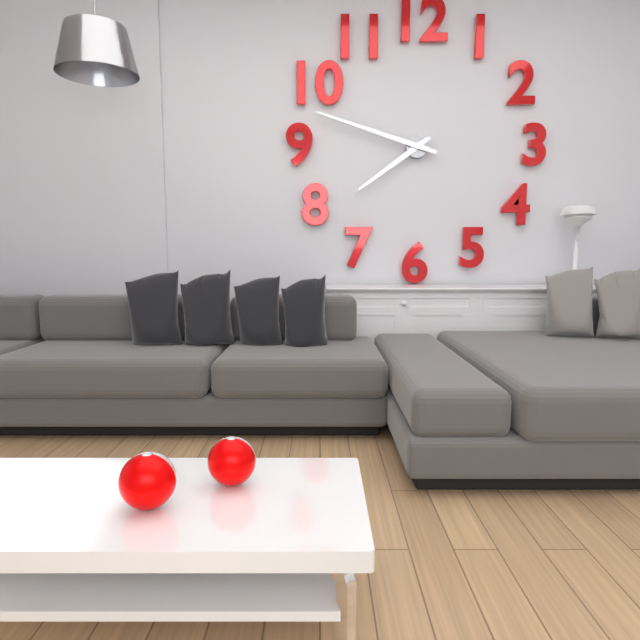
7:48
